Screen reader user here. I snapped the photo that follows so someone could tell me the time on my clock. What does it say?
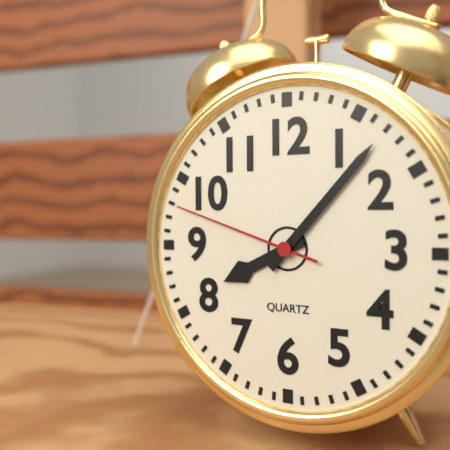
8:07:48
